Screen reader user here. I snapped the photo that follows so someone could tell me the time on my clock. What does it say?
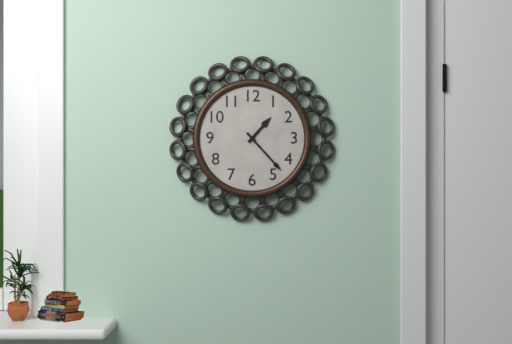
1:23
